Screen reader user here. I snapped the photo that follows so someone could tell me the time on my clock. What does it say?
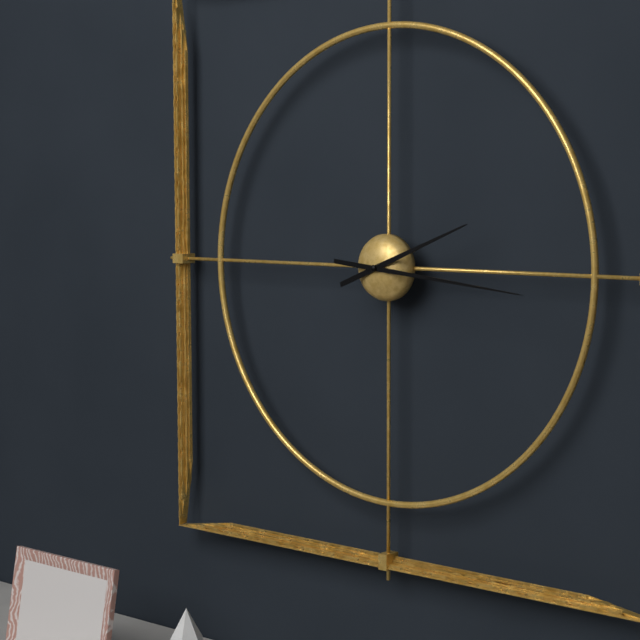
2:16
